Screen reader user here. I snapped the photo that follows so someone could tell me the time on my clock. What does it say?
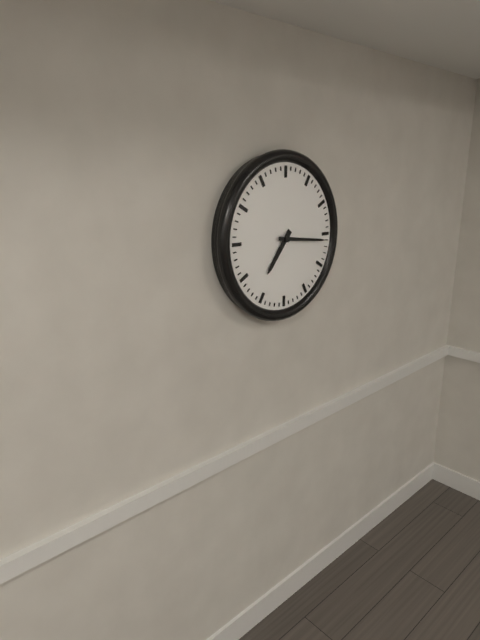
7:16
